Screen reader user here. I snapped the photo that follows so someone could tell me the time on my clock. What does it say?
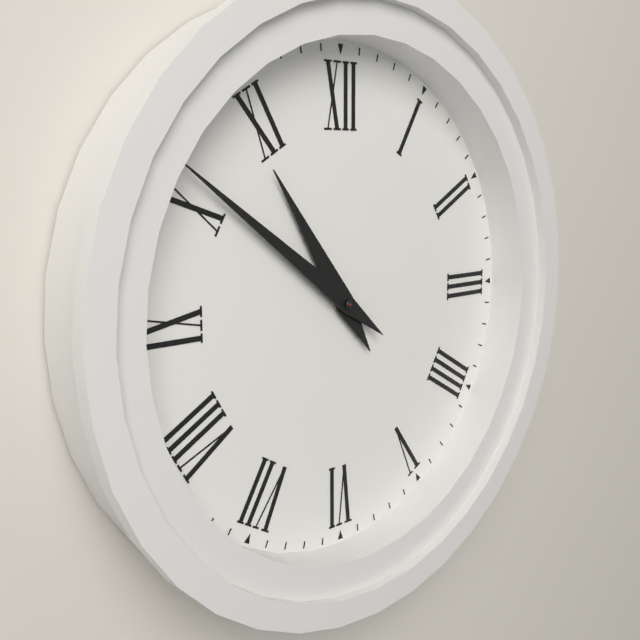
10:51
